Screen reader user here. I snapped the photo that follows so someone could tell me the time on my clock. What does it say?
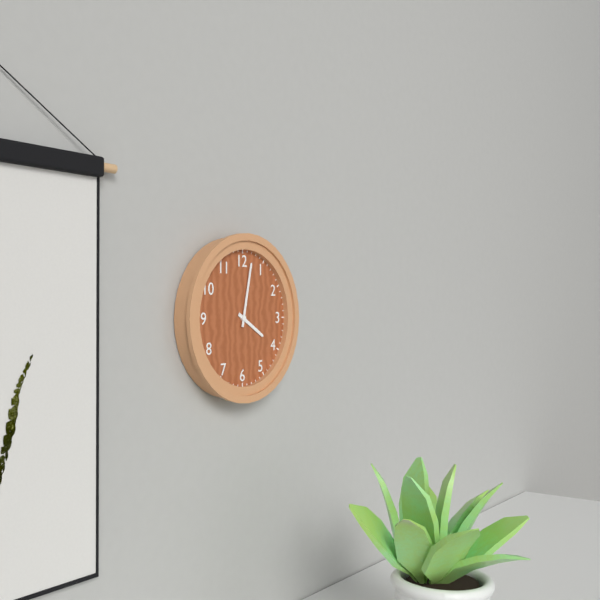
4:02
